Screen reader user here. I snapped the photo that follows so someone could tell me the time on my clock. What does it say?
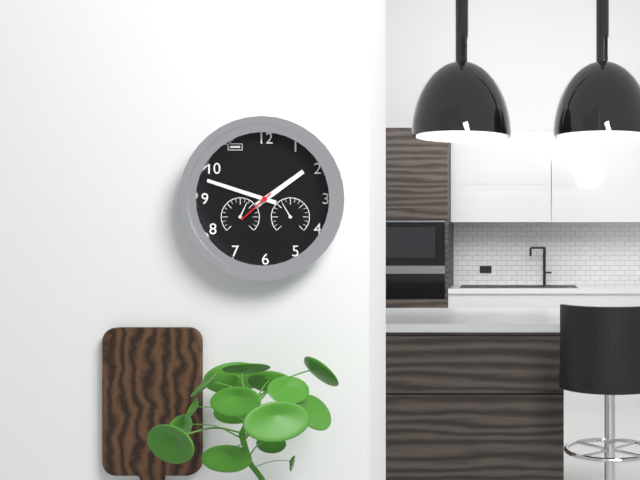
1:48
